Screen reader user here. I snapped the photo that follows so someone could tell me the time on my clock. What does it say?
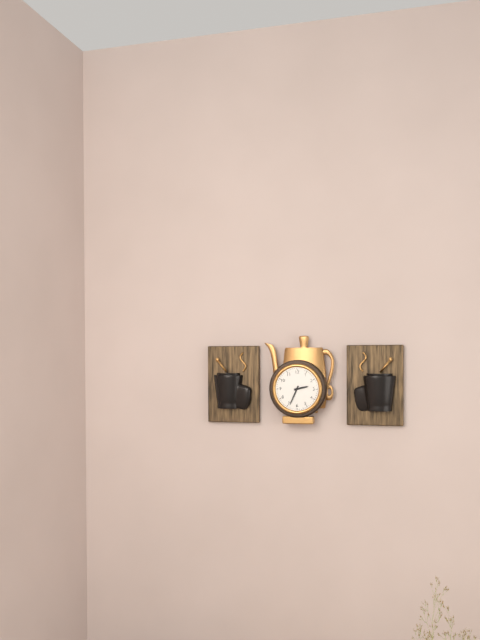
2:34
